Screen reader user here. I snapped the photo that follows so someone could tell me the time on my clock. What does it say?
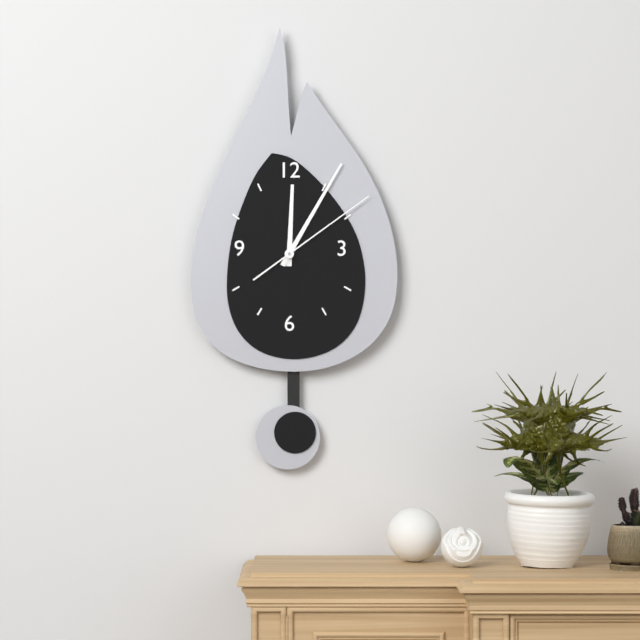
12:05:09
